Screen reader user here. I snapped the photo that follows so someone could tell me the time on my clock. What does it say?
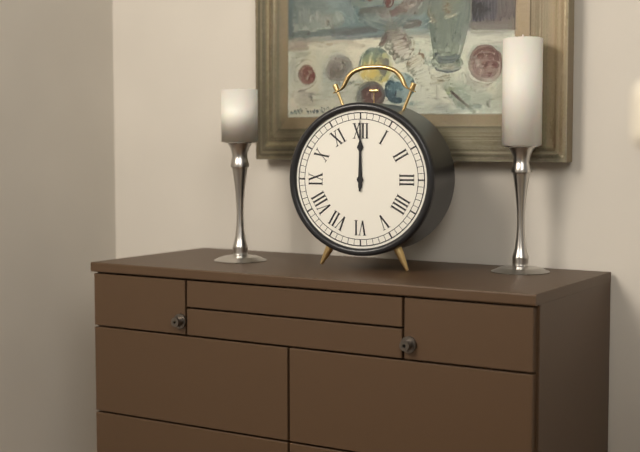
12:00
